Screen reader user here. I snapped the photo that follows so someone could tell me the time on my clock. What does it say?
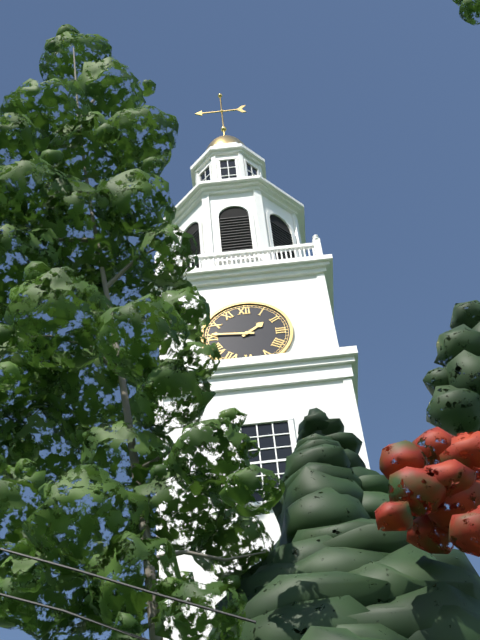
1:46
